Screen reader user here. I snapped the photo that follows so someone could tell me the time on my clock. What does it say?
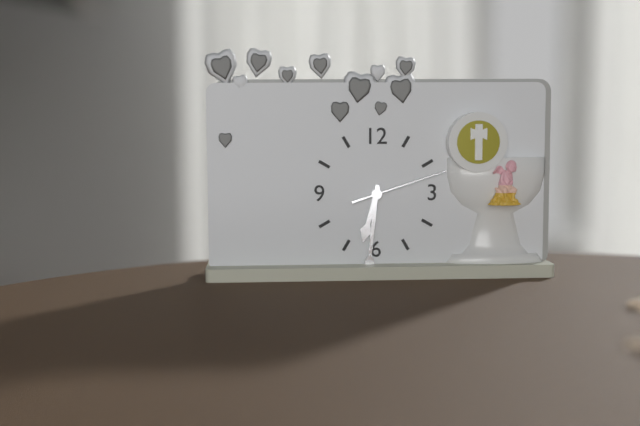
6:31:12
